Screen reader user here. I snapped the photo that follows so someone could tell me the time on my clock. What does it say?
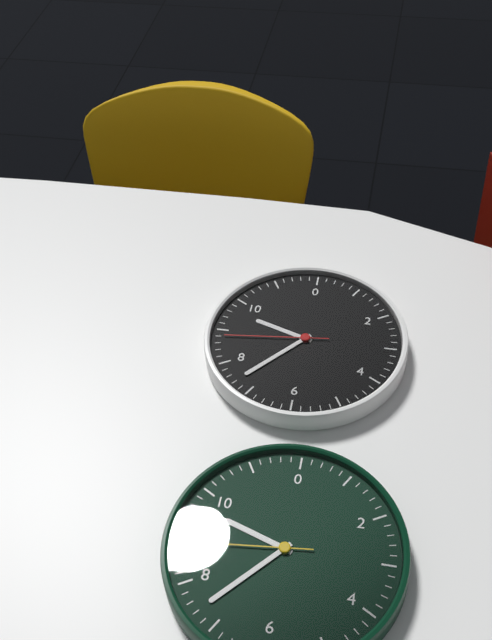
9:37:44
